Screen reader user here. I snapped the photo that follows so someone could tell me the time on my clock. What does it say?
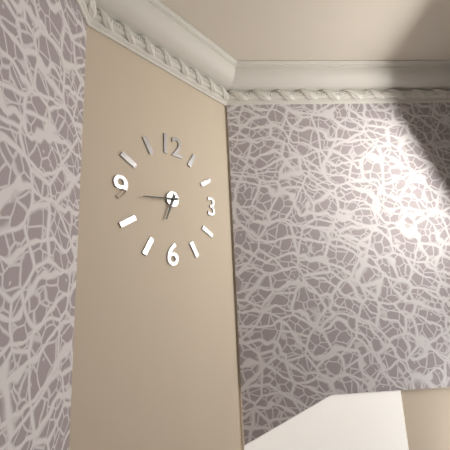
6:44
